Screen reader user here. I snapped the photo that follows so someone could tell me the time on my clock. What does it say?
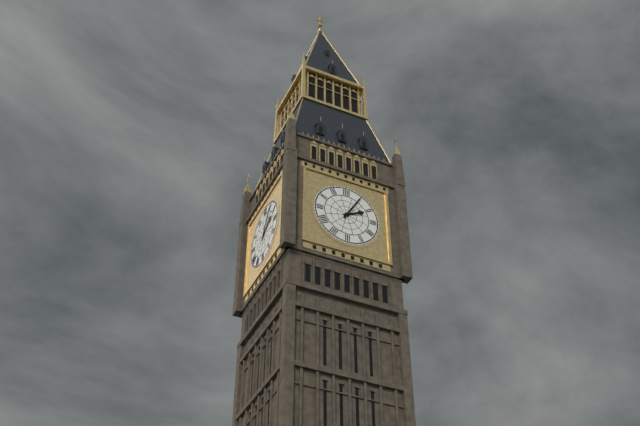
2:05
